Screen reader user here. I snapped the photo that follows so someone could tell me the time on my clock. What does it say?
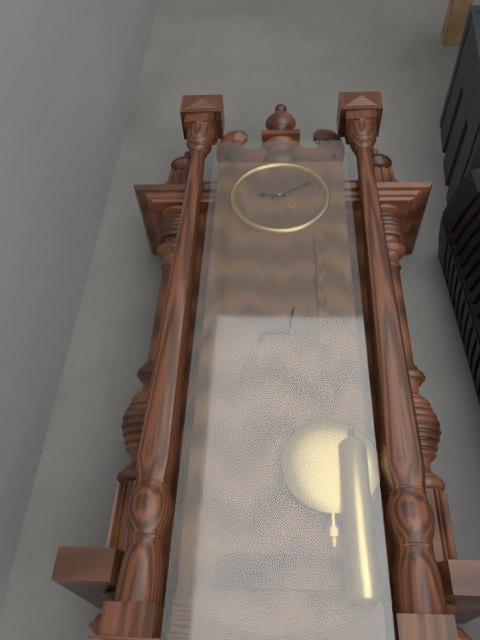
9:10
